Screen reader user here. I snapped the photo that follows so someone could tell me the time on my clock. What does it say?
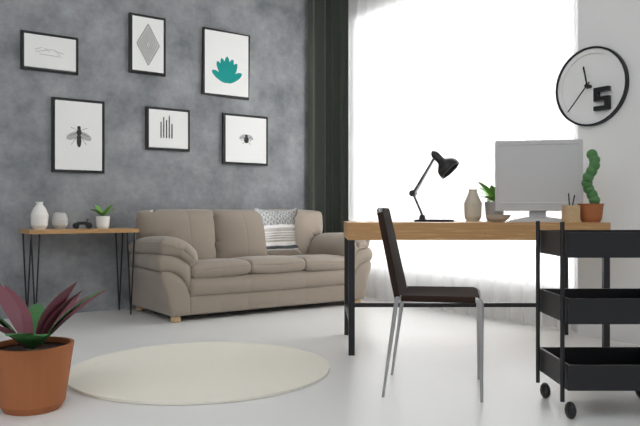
11:37
